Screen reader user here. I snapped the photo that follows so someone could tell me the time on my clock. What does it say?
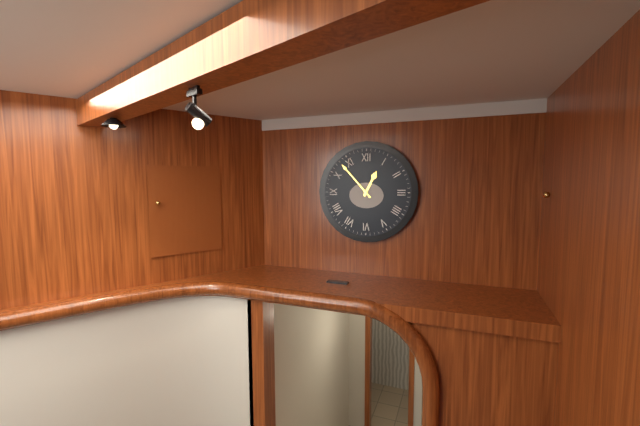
12:53
